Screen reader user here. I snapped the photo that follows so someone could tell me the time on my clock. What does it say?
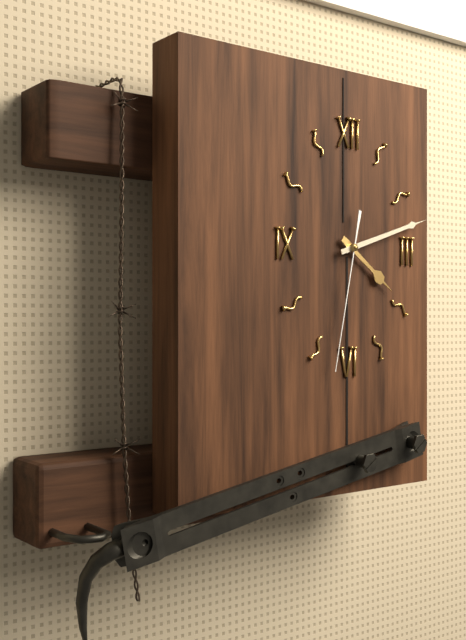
4:12:32
